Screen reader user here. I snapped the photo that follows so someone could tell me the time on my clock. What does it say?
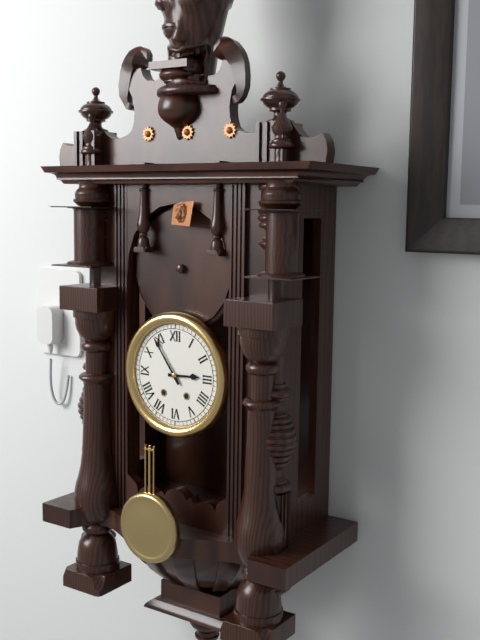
2:54
